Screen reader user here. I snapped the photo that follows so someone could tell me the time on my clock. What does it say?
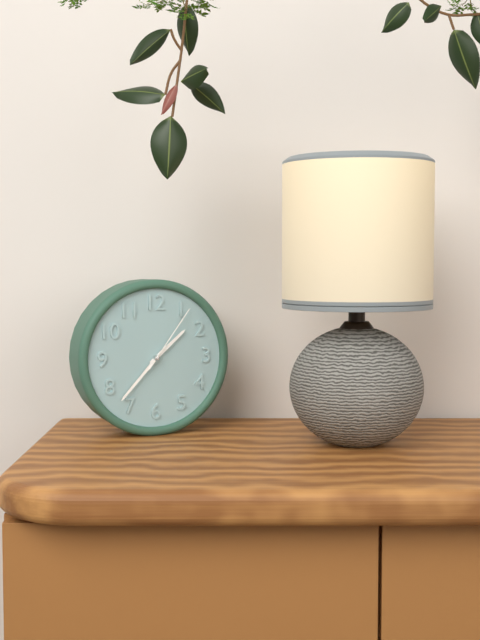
1:37:06
